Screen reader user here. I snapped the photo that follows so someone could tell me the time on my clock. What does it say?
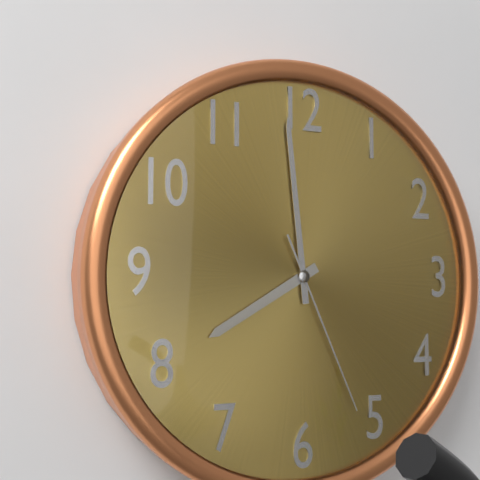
7:59:26
